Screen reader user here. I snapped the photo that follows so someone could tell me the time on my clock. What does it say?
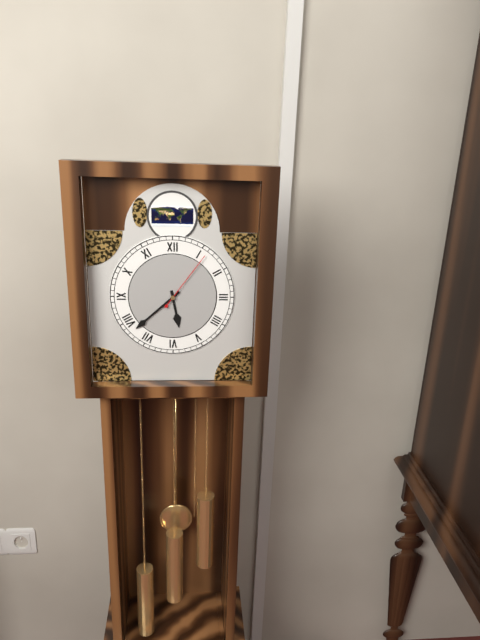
5:38:06
